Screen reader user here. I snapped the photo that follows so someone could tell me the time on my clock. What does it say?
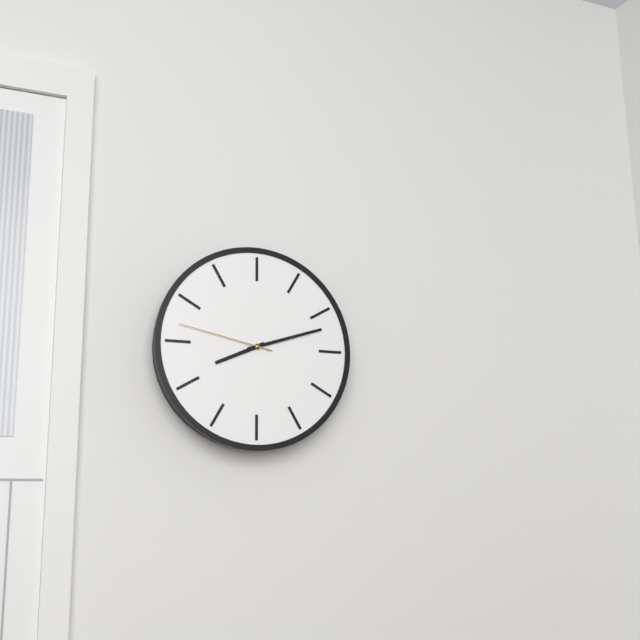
8:12:47
